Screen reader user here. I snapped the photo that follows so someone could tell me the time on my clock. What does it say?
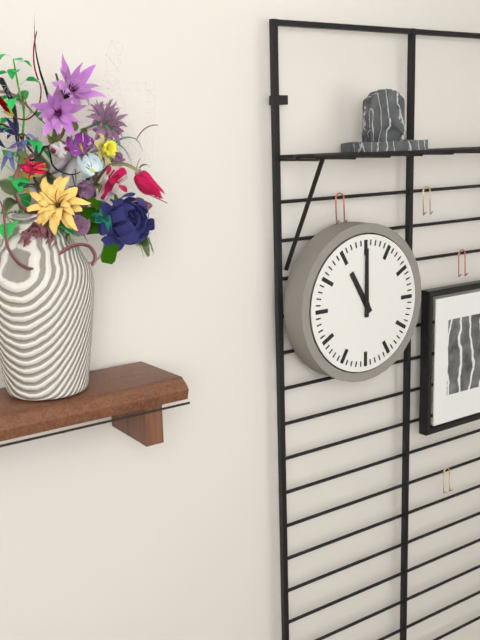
11:00
